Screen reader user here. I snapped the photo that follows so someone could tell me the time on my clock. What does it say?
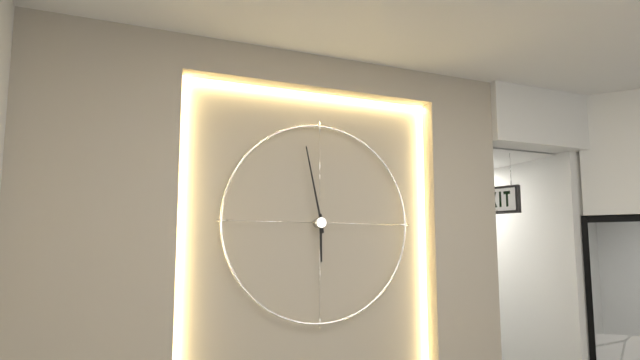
5:58
